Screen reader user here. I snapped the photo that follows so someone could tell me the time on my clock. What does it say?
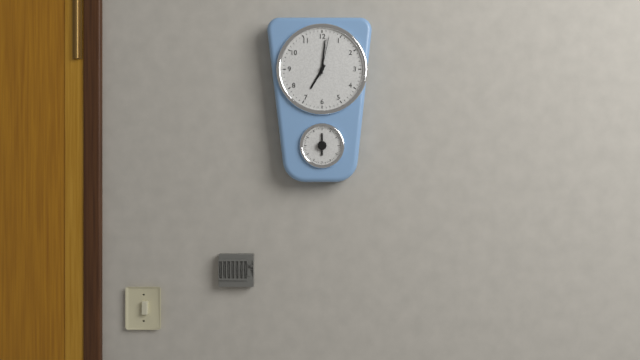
7:01
